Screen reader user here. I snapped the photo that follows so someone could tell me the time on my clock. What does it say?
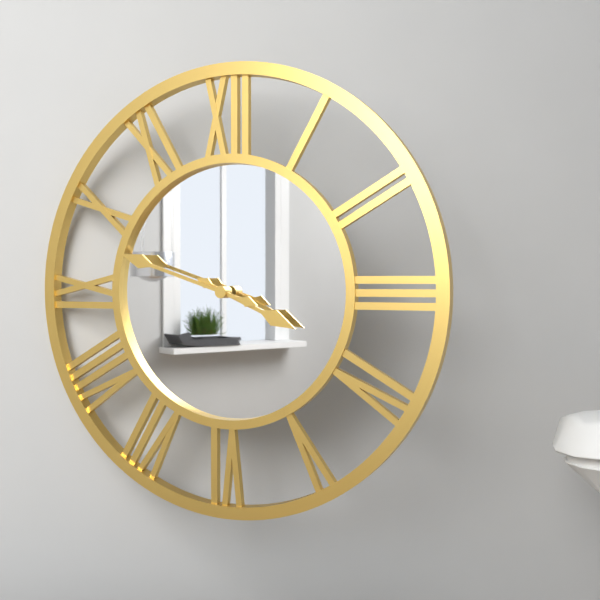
3:48
